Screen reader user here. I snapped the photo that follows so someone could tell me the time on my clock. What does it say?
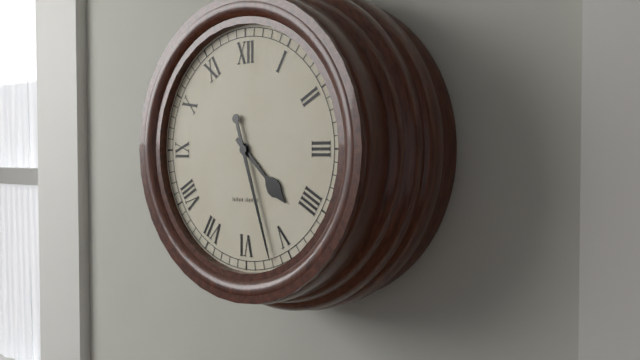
4:27
